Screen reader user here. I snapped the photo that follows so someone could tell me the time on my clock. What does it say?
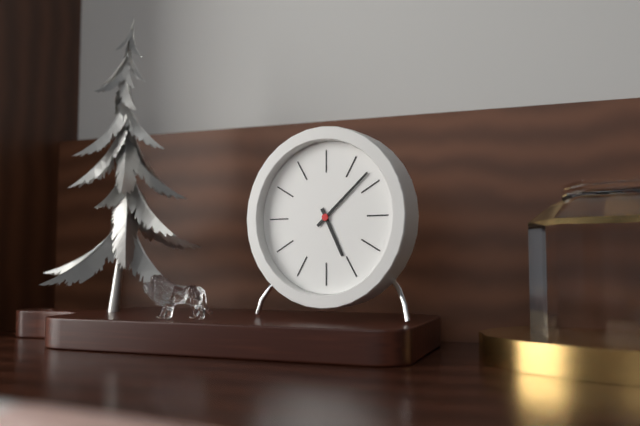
5:08
